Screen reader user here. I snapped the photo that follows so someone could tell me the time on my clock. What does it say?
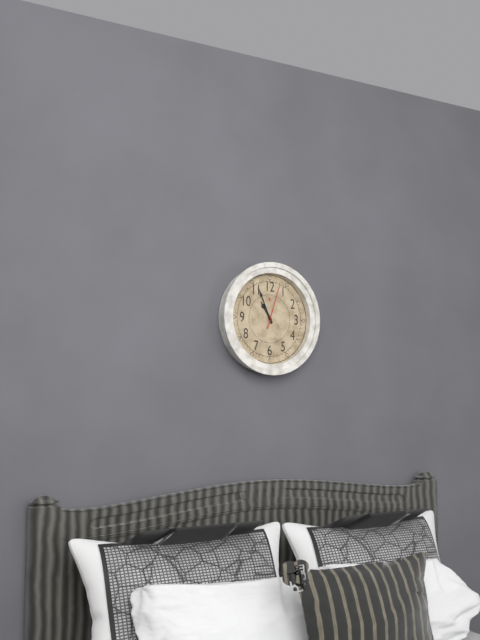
10:56
